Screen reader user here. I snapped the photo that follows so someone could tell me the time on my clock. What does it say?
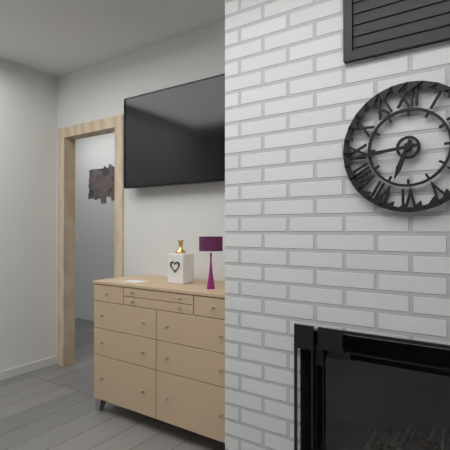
6:44
